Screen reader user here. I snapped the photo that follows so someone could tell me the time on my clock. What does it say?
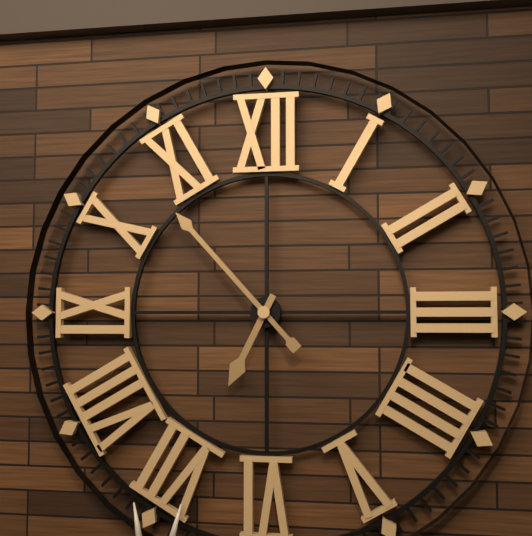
6:53
